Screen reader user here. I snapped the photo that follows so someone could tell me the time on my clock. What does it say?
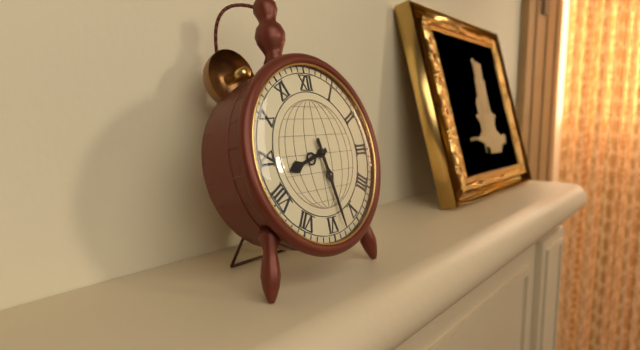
8:28
